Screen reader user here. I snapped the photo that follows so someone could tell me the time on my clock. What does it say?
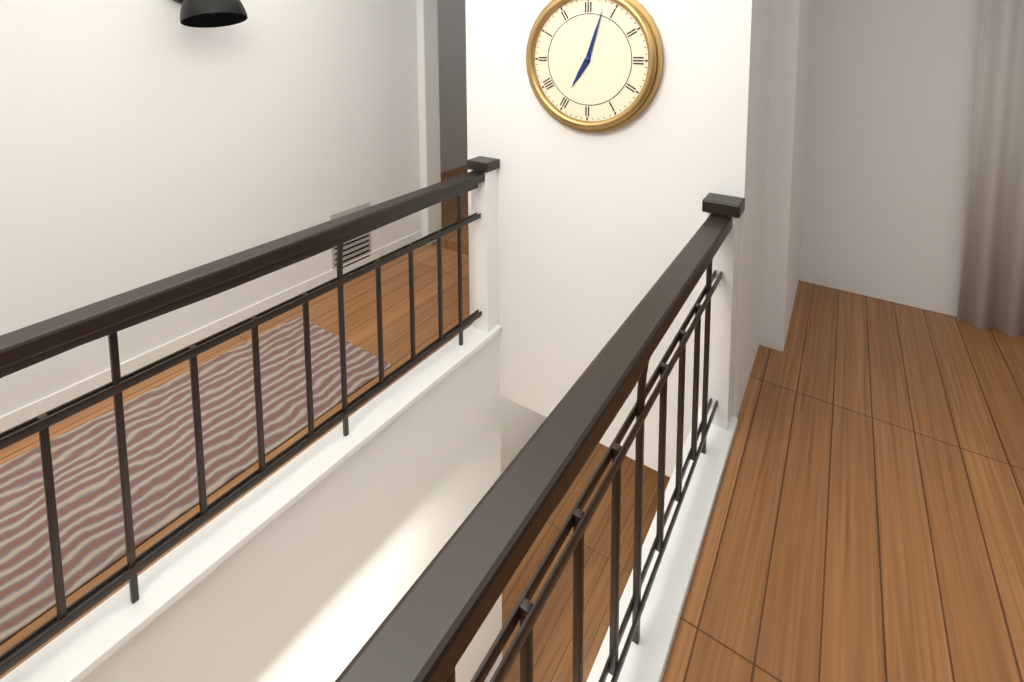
7:03
